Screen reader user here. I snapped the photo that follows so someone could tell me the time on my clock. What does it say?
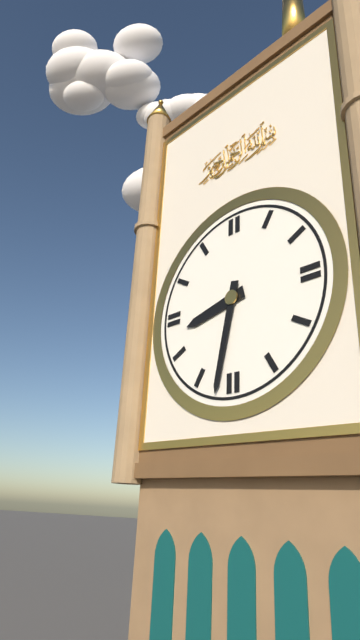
8:32
